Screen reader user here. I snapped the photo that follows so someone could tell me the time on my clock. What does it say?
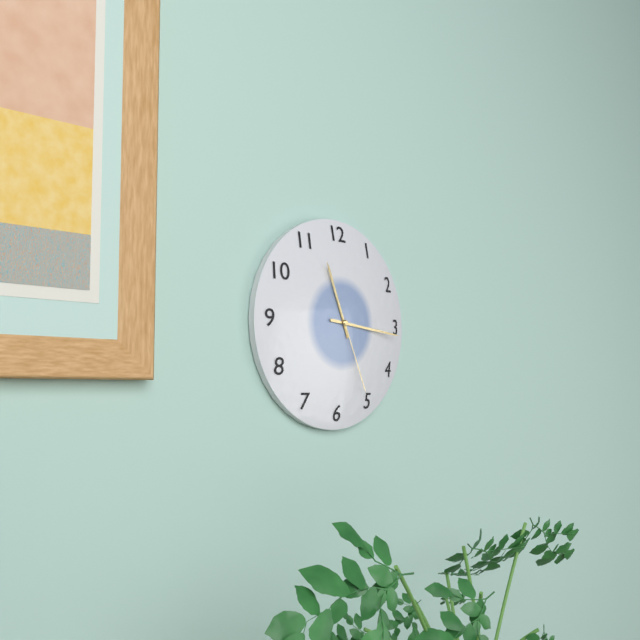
11:16:26
